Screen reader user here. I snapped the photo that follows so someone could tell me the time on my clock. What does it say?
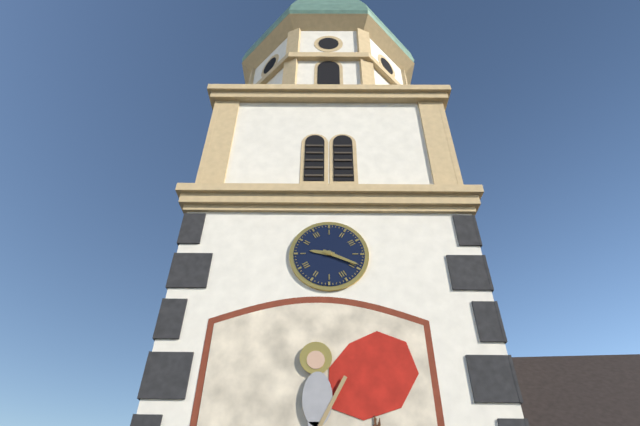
9:19
